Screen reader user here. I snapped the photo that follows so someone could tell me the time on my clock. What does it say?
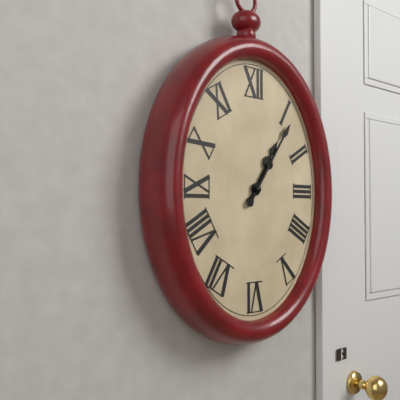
1:06
